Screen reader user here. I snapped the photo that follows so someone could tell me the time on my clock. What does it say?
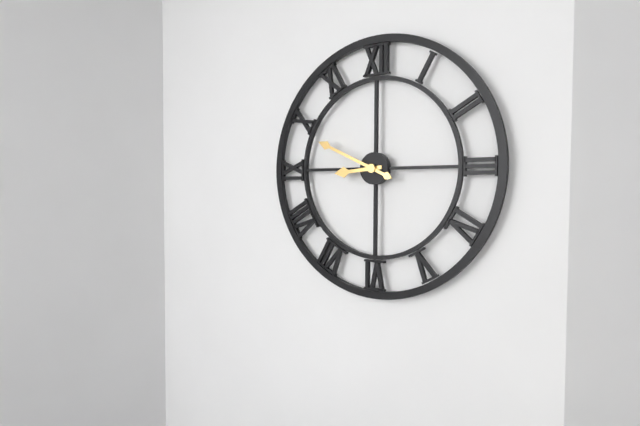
8:49
